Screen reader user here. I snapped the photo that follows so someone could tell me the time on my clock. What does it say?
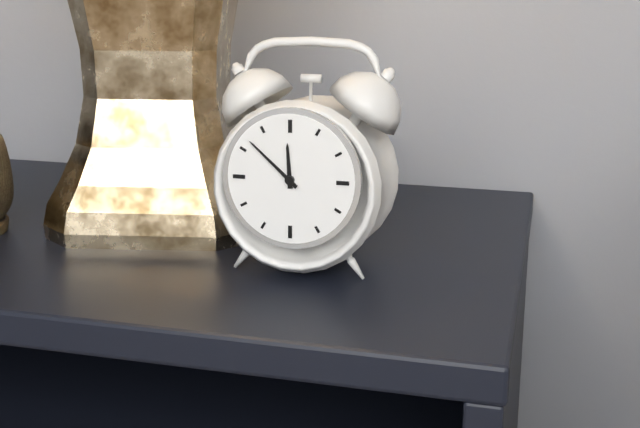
11:52
